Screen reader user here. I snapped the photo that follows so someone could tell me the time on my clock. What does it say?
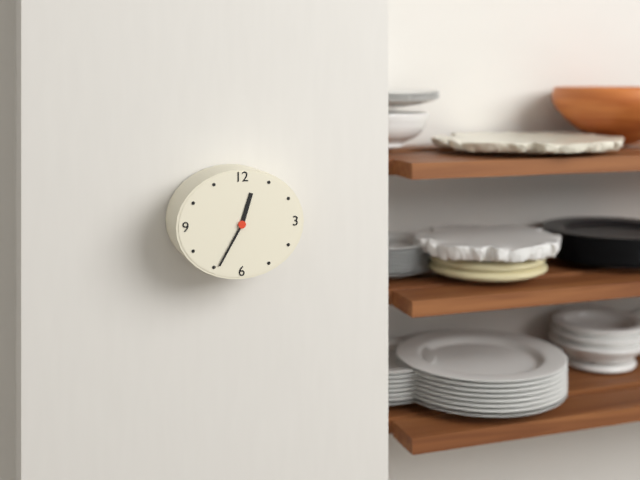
12:35
